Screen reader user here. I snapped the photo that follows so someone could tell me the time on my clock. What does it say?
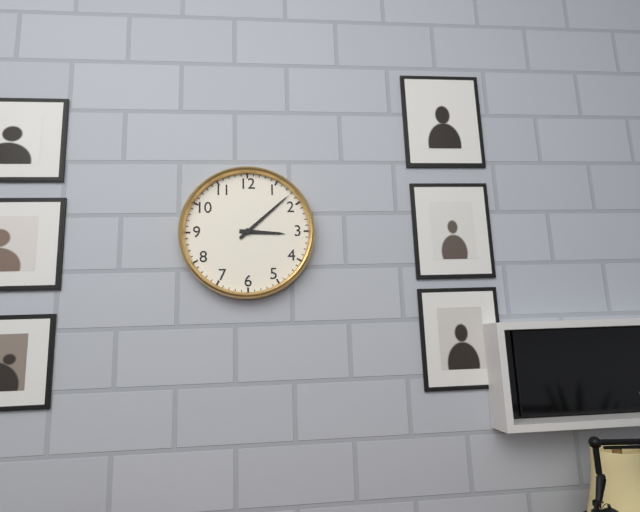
3:08
